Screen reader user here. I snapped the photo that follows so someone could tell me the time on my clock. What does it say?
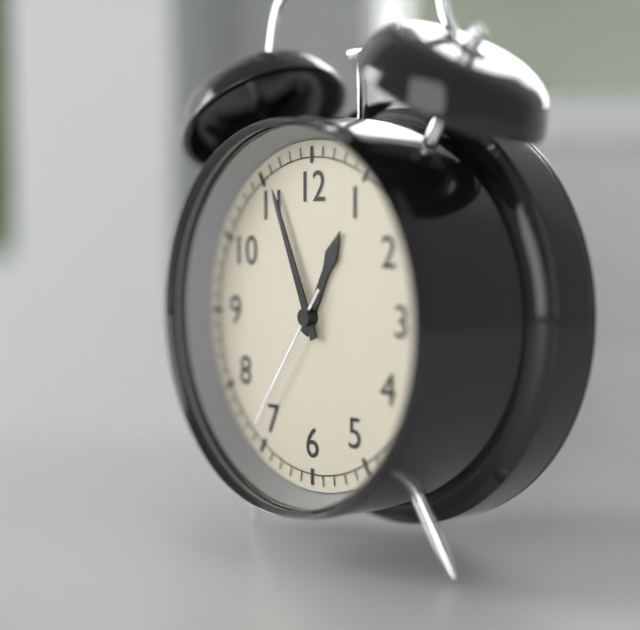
12:56:36
